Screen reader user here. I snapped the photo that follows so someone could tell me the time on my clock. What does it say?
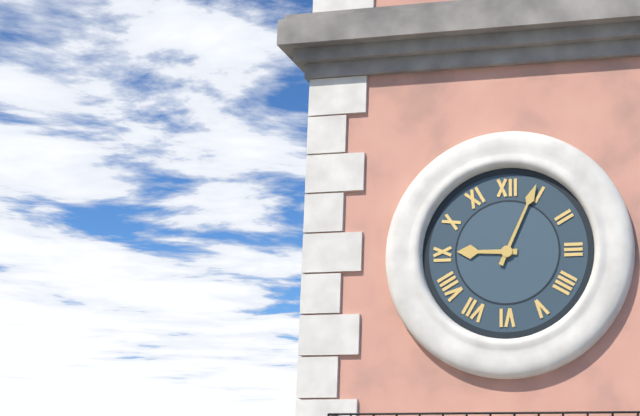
9:04
